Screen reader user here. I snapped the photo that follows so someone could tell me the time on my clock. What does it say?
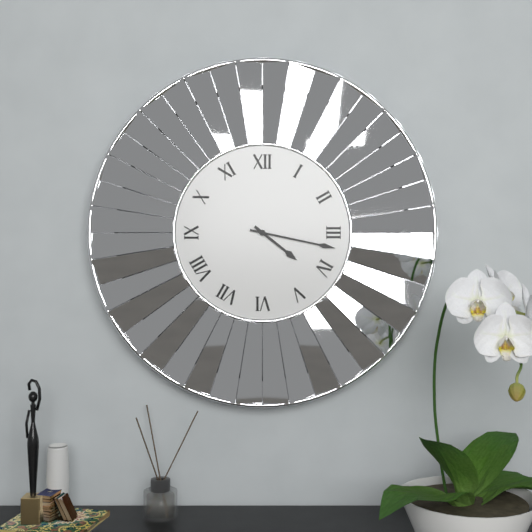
4:17
